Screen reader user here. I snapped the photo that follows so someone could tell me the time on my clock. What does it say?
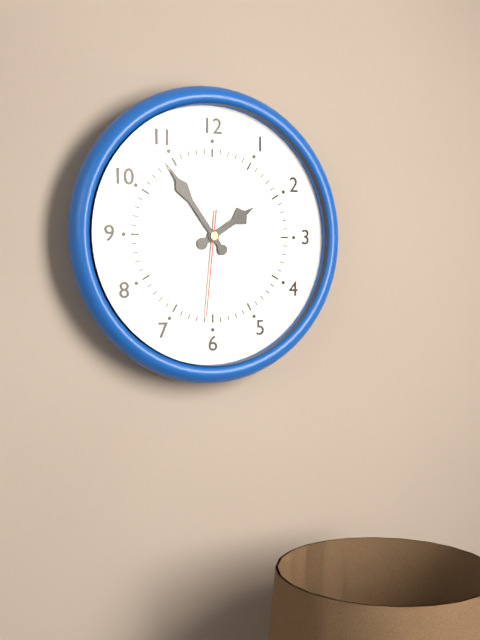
1:54:31
